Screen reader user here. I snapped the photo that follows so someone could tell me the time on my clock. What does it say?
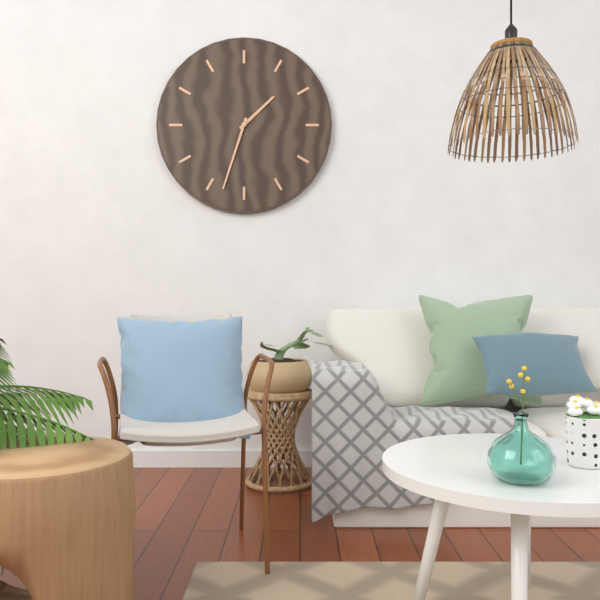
1:33
